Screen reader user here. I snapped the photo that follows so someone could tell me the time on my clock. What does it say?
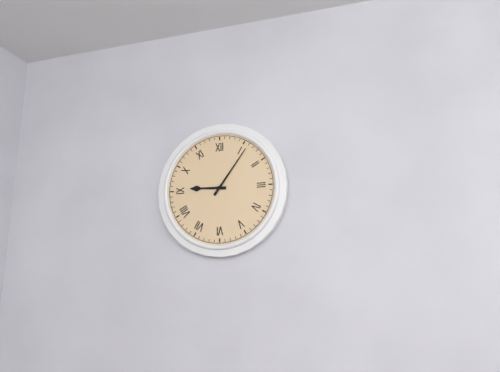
9:06
